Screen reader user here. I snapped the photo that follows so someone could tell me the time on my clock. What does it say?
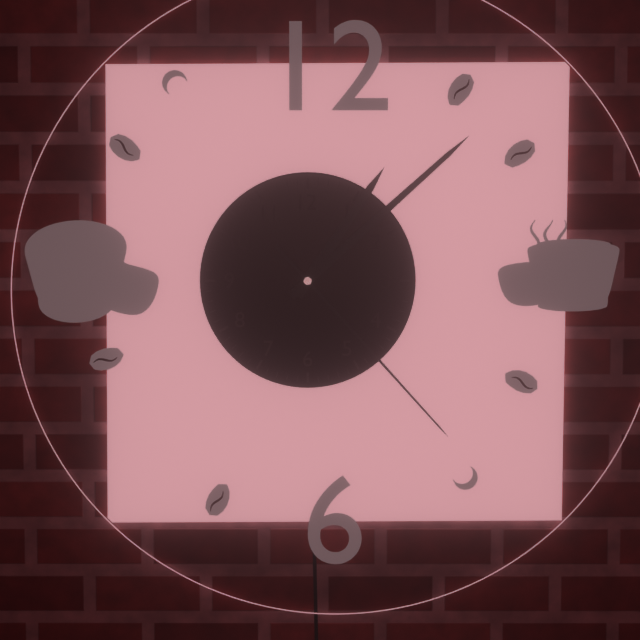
1:08:23
